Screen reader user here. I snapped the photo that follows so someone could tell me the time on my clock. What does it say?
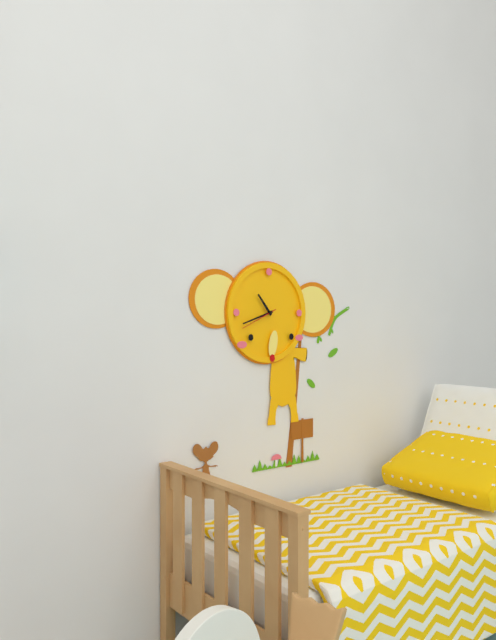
10:42
